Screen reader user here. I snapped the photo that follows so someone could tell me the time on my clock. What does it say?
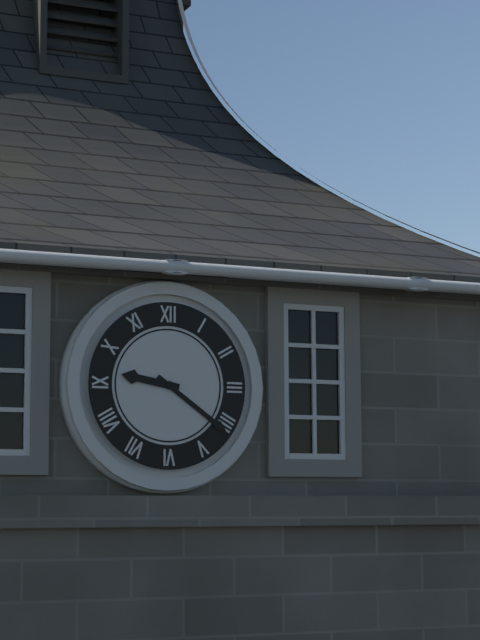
9:21
